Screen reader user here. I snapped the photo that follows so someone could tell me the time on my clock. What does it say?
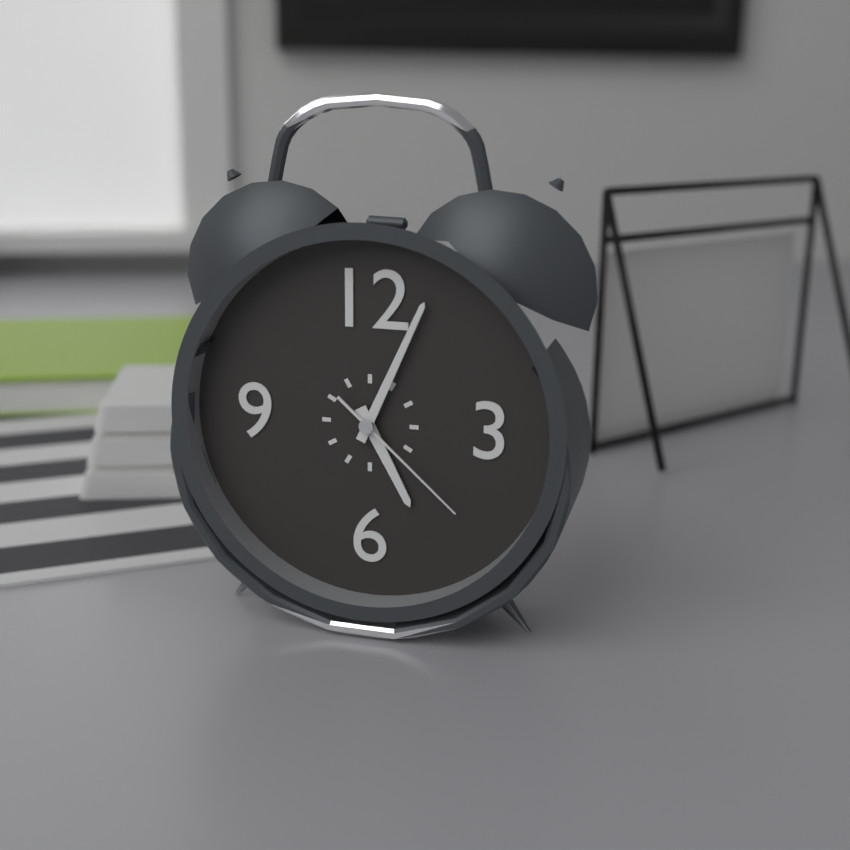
5:04:22
